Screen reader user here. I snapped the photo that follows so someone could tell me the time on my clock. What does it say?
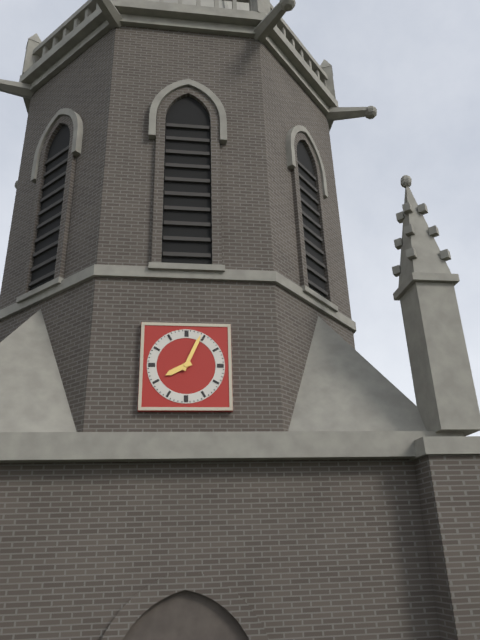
8:04
